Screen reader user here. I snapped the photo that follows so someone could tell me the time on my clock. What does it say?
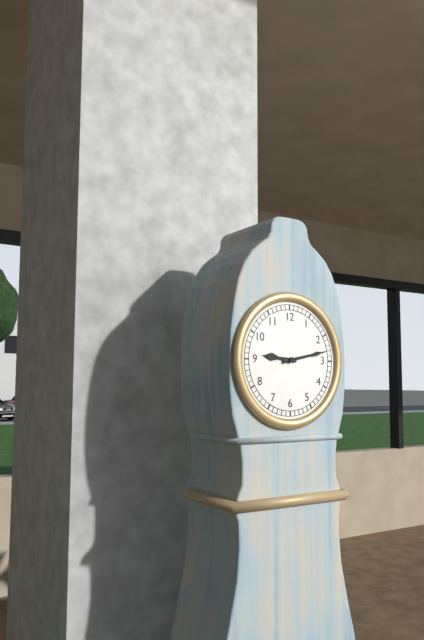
9:13
